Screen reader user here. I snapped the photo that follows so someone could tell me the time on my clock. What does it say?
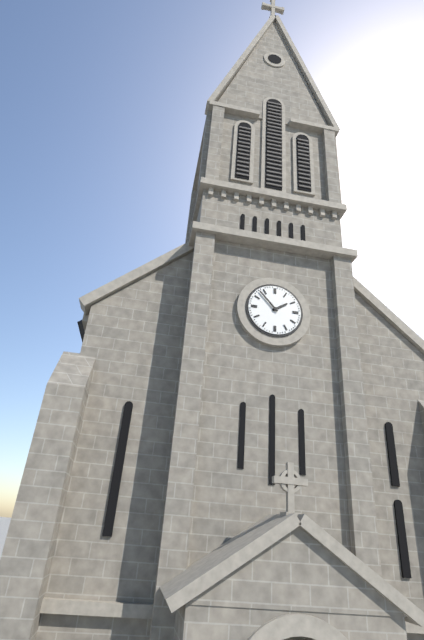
1:53
